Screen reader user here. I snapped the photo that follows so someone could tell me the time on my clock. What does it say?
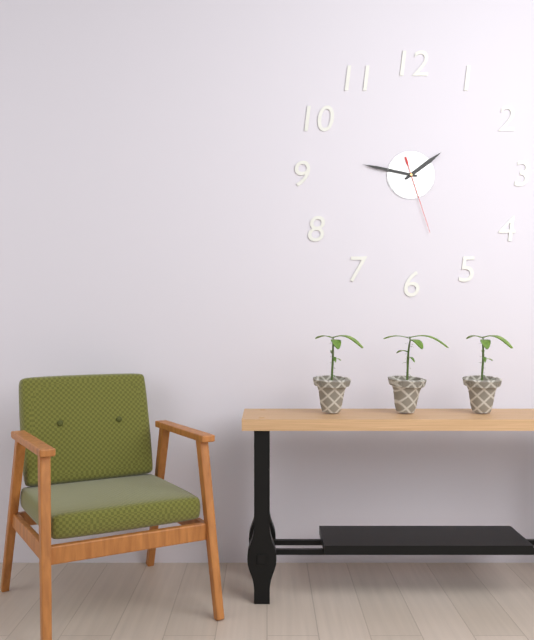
1:47:27
